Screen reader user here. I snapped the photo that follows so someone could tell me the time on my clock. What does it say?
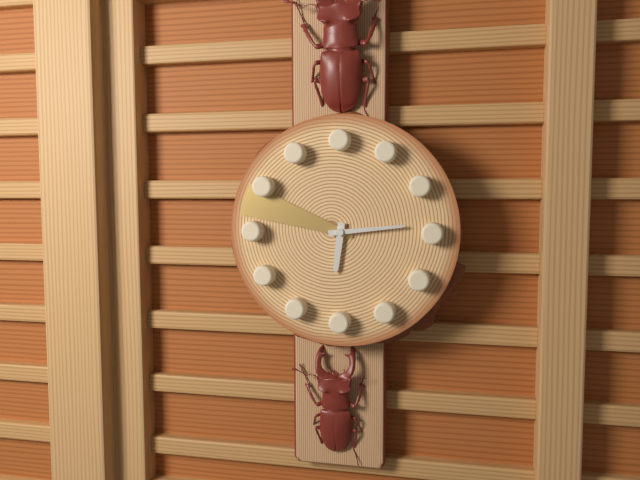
6:14:48
